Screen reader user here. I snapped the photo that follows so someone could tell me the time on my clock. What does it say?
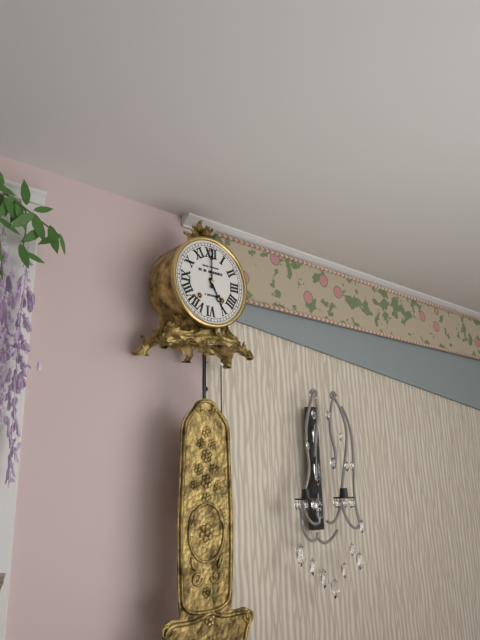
5:00
